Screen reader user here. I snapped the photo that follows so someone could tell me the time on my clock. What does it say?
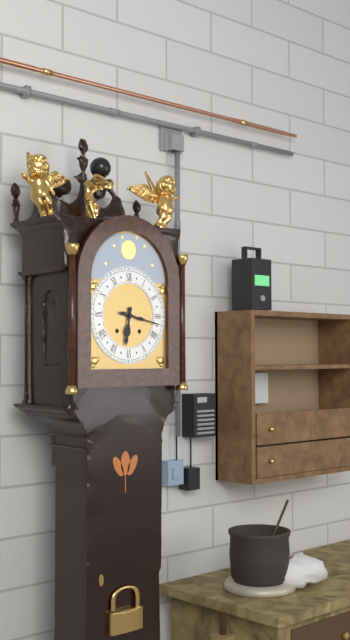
6:17
